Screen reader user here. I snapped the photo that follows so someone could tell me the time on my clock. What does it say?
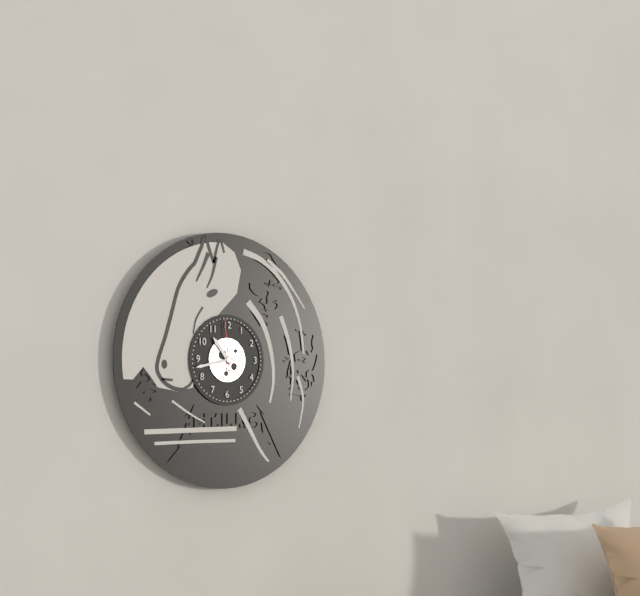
10:43:59
